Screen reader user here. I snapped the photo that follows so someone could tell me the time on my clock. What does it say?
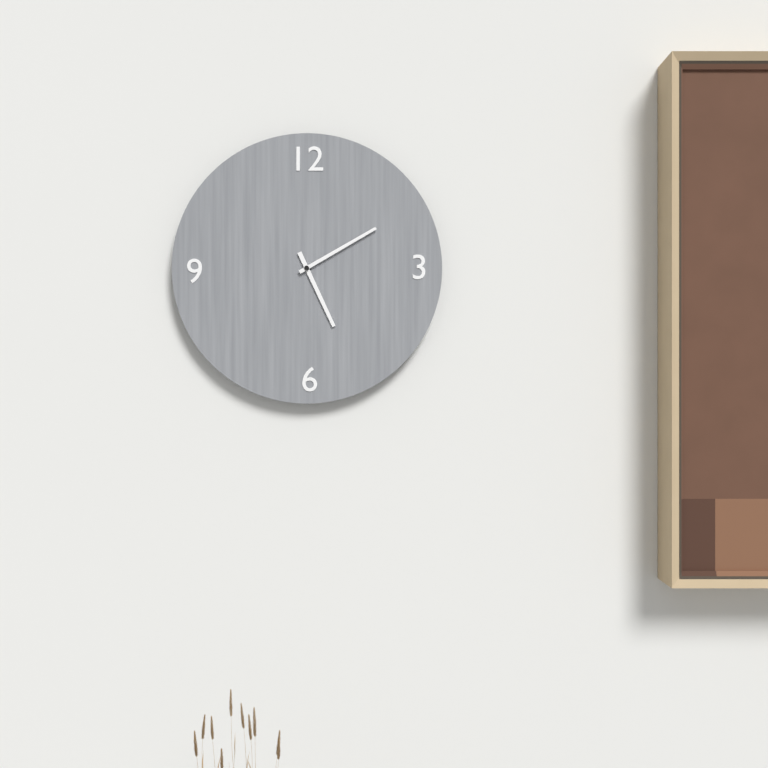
5:10
